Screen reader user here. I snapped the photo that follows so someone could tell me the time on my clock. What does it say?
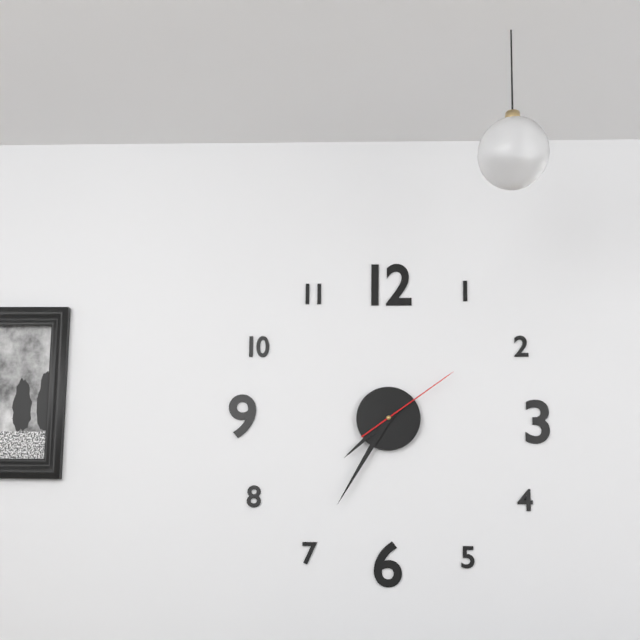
7:35:09
